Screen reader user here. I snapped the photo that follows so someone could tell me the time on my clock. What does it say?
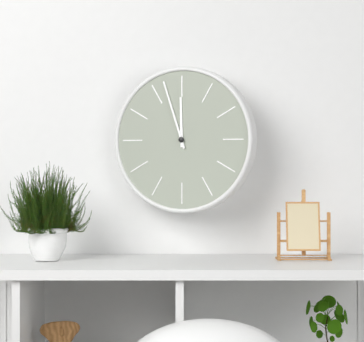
11:57
